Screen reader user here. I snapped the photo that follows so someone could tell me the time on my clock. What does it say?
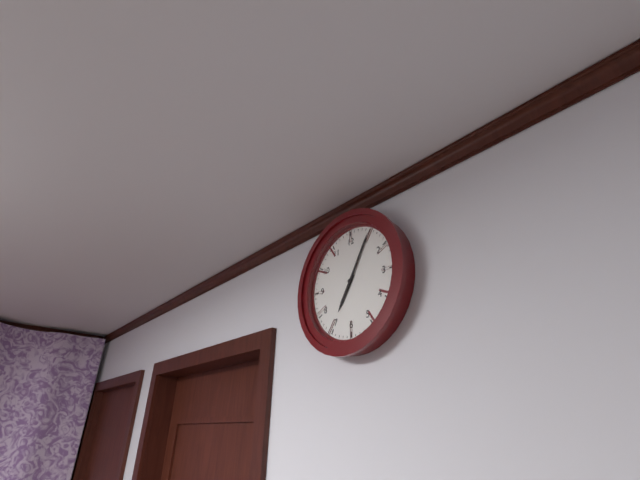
7:05
